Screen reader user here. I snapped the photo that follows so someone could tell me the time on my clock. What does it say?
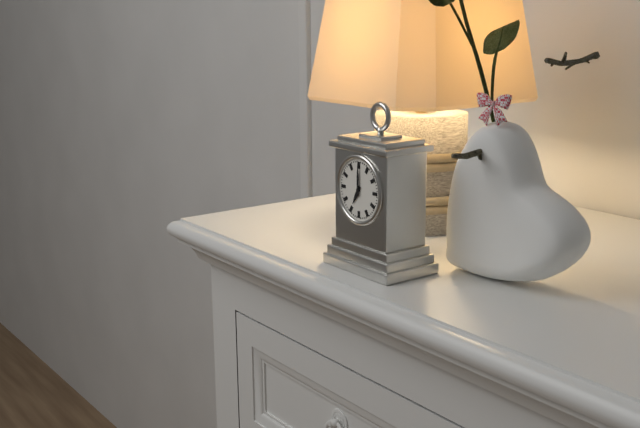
7:00
